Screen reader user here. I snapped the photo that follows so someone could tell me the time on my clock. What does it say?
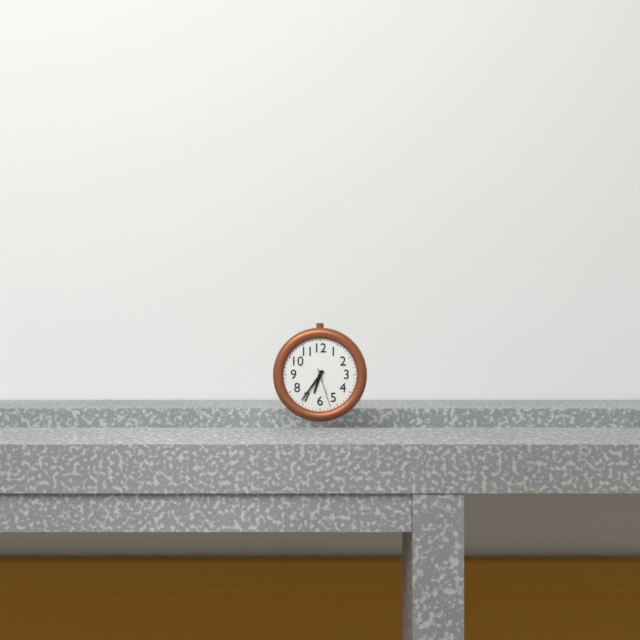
6:36
